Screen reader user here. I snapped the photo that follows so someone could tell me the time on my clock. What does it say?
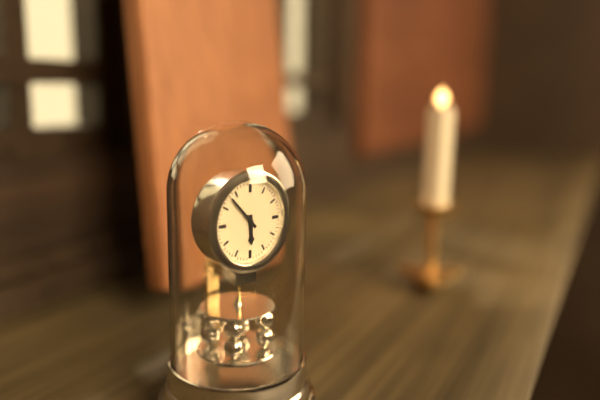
5:53
